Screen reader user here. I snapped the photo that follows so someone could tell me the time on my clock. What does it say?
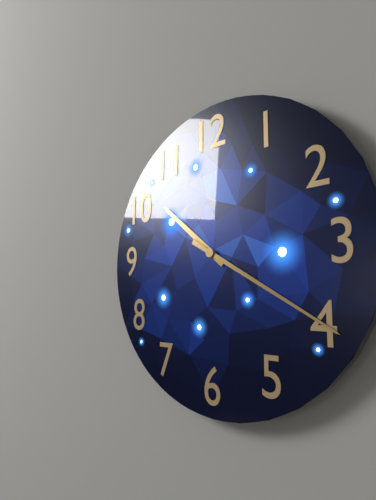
10:20
